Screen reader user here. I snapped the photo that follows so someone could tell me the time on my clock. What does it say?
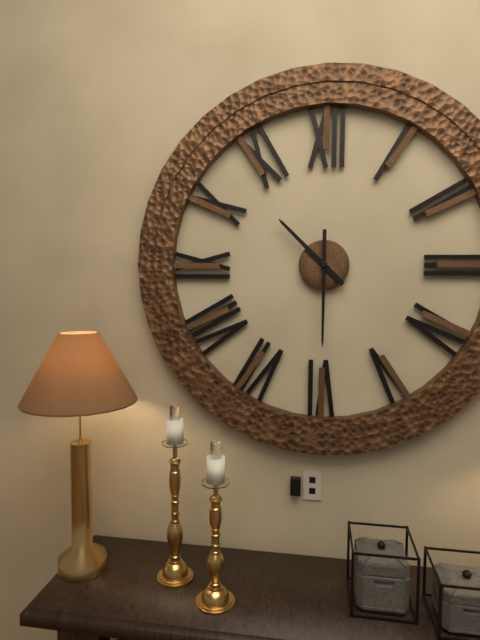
10:30
